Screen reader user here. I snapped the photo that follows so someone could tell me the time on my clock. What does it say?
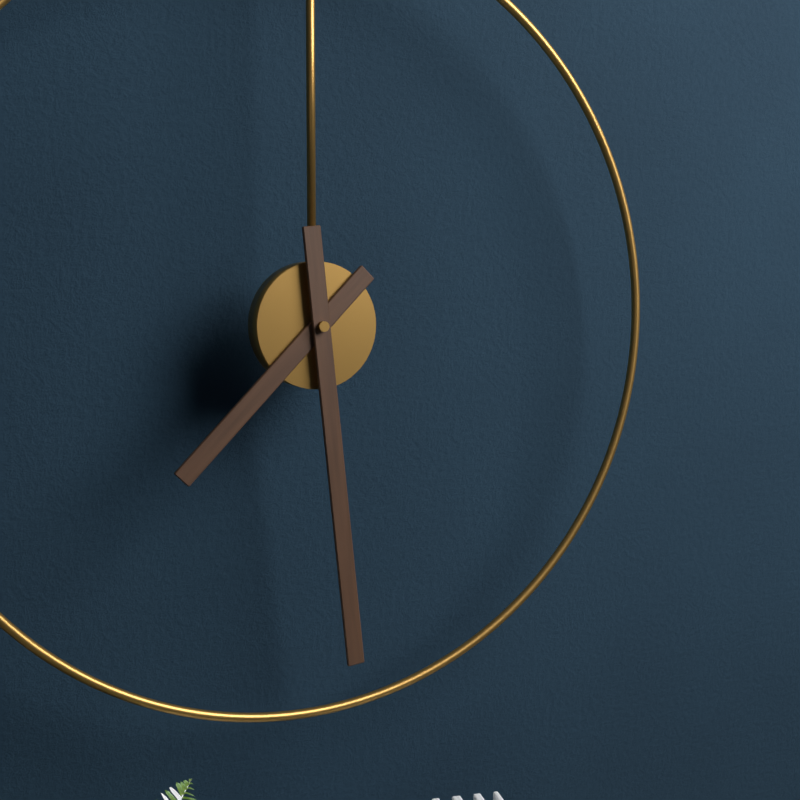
7:29
